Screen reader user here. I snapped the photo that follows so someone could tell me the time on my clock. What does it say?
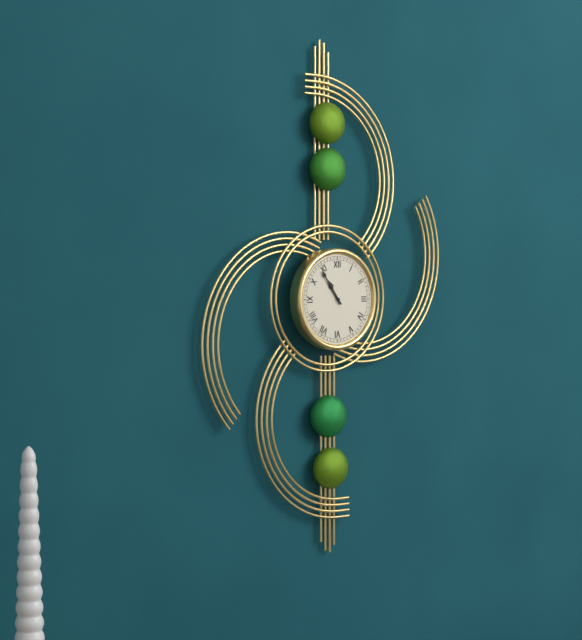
10:54
